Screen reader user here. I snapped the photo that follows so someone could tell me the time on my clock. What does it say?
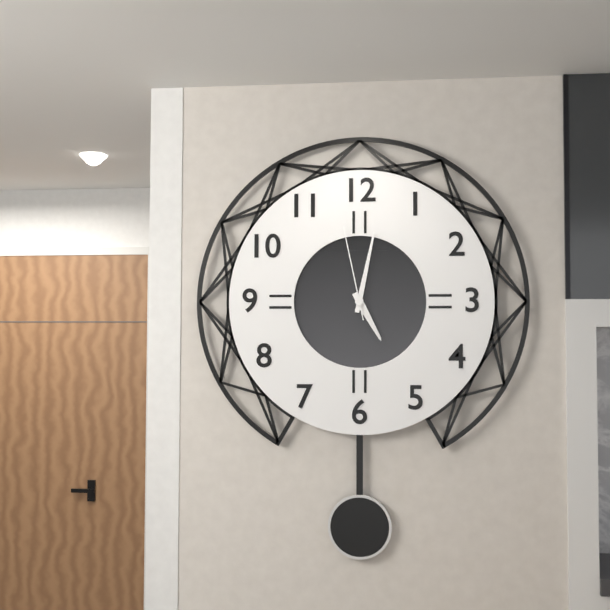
5:02:58
